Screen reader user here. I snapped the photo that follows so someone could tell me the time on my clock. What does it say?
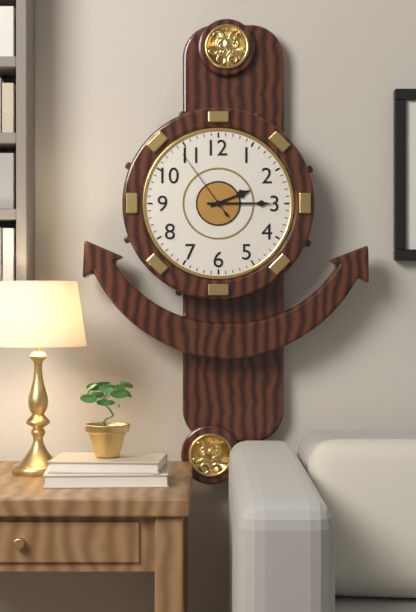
2:15:54
